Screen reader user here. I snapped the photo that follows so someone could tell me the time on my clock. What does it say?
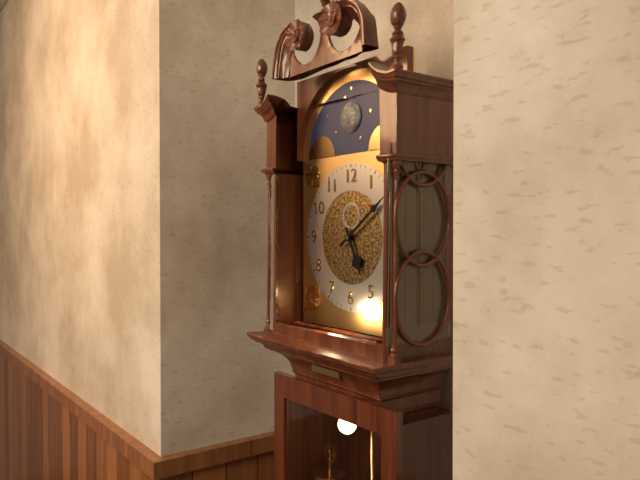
5:09
